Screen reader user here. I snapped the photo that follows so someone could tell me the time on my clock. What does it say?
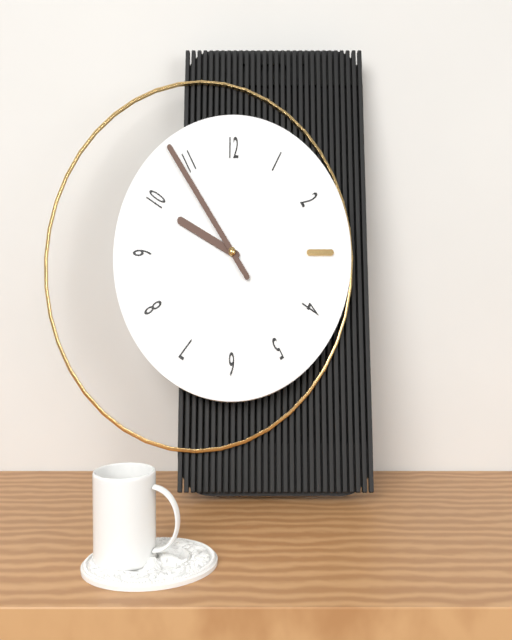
9:54
